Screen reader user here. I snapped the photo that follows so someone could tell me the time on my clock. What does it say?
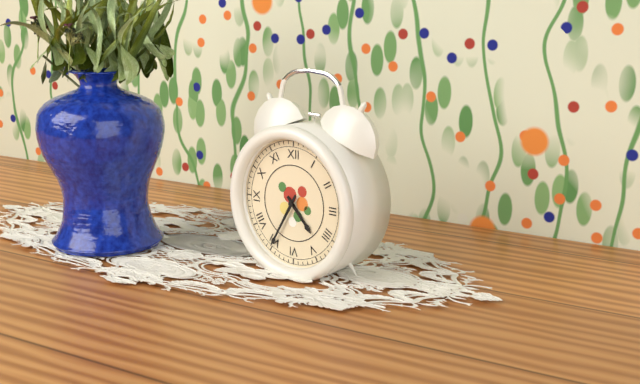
4:35
